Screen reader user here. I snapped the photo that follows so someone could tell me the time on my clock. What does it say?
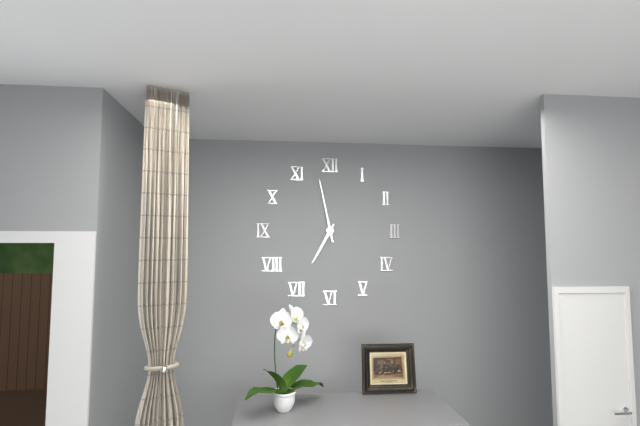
6:58
